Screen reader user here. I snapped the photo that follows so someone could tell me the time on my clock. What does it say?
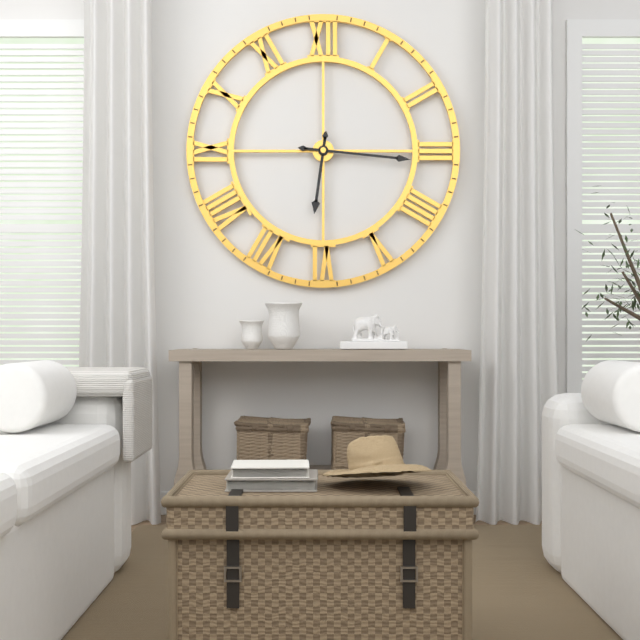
6:16
